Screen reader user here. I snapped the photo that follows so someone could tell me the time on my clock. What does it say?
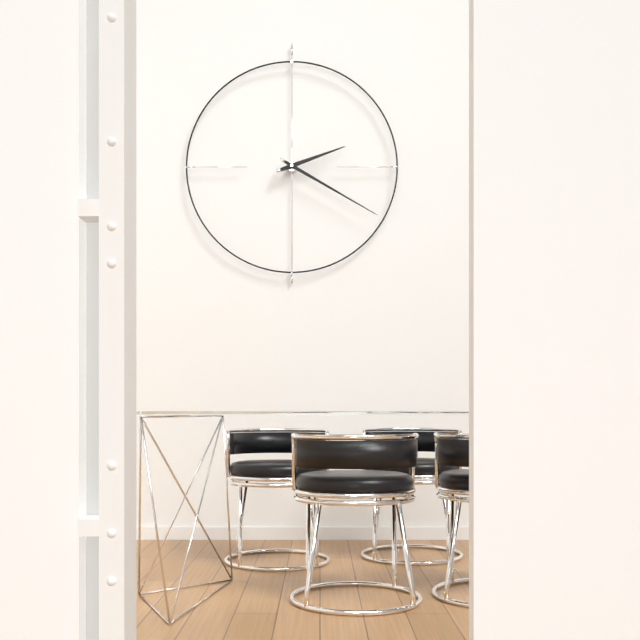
2:20
